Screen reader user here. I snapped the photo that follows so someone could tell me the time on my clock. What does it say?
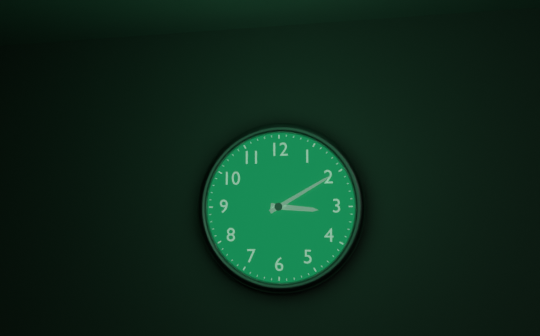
3:10
